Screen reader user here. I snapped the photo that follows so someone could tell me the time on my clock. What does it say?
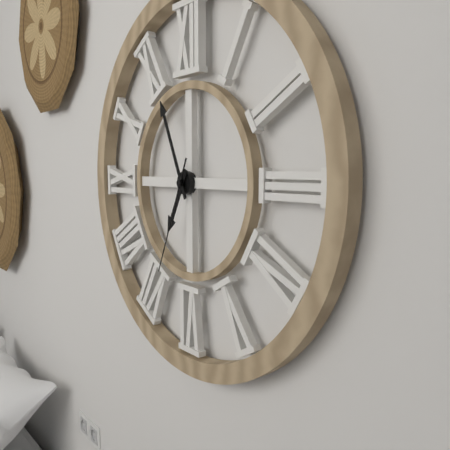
6:56:34
